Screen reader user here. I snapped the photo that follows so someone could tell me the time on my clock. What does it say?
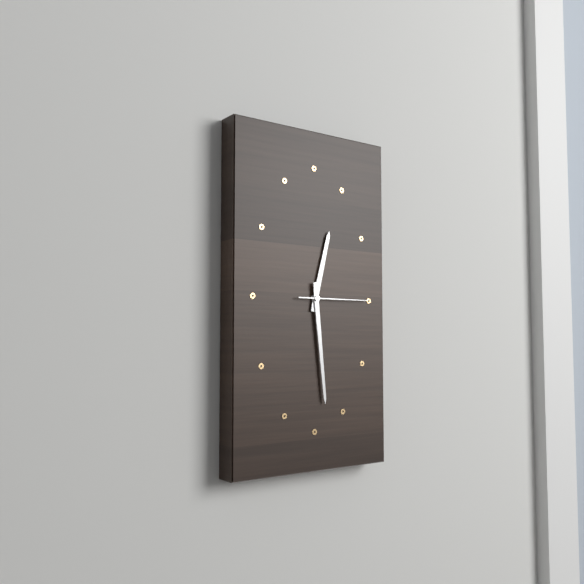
12:29:15
